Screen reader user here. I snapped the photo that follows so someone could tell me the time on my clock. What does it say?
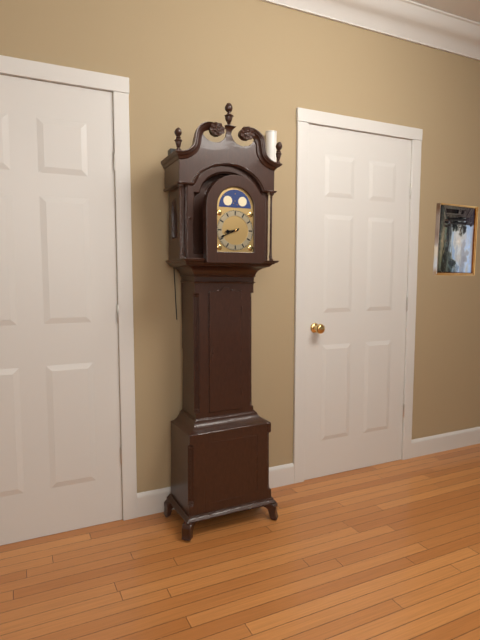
8:41
